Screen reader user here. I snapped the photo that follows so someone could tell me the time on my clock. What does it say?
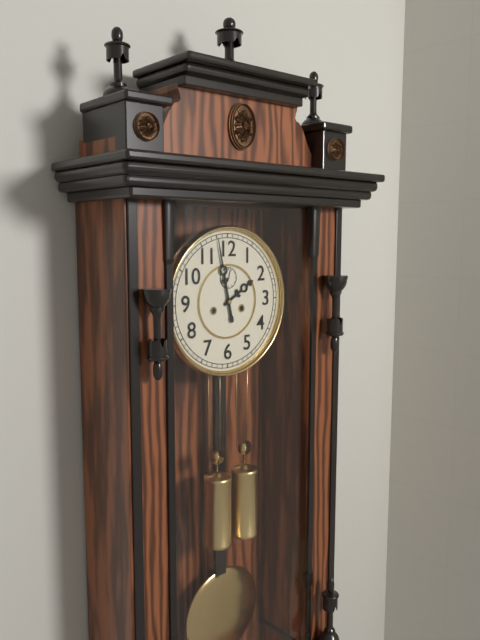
1:58
